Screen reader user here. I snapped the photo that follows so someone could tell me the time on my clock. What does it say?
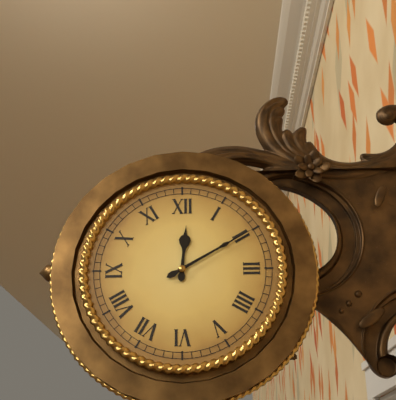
12:10
